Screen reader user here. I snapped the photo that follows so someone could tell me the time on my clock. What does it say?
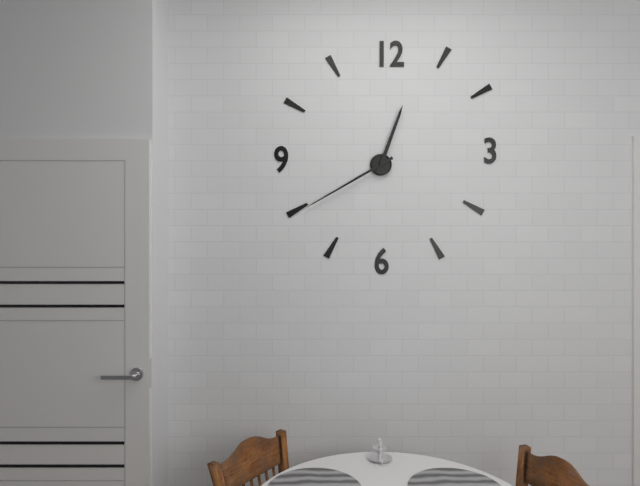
12:40
